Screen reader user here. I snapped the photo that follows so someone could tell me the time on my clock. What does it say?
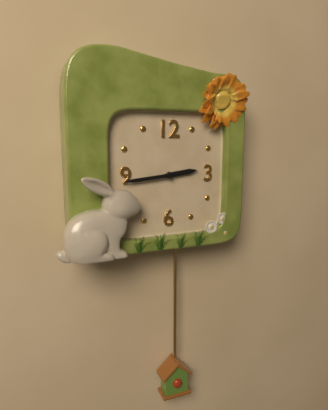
2:44
